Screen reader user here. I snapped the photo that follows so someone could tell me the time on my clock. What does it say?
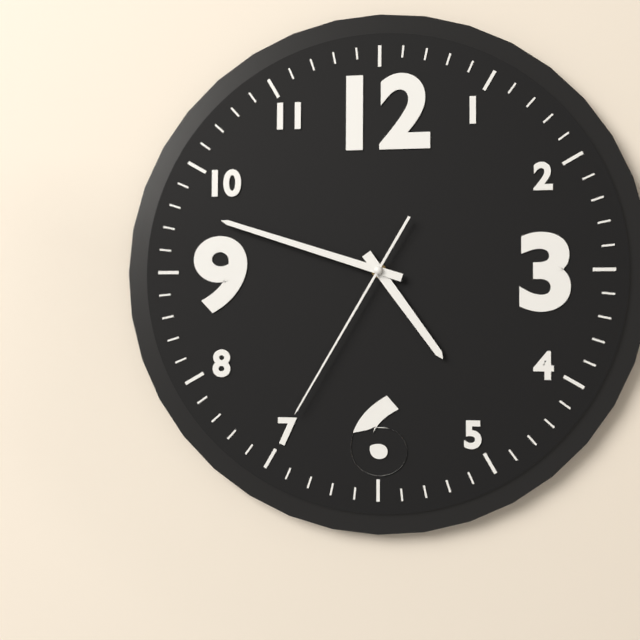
4:48:35
